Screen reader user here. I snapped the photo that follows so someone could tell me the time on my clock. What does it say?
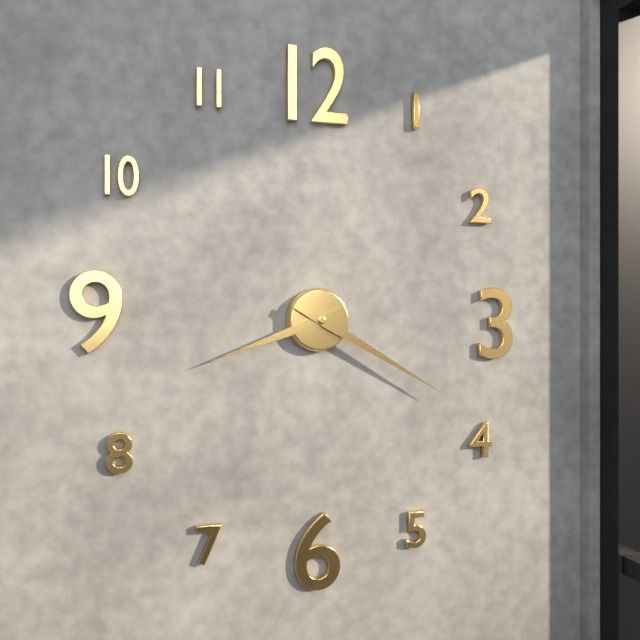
8:20
